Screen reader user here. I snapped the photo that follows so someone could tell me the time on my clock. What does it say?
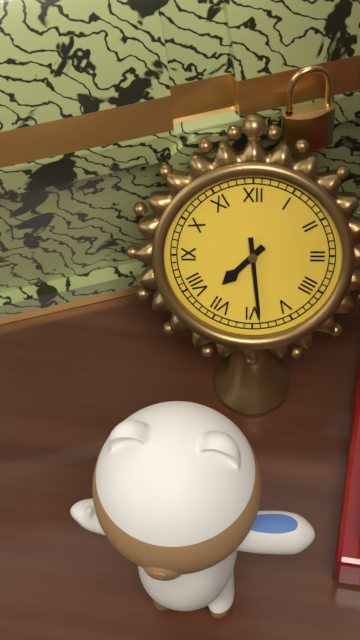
7:29
